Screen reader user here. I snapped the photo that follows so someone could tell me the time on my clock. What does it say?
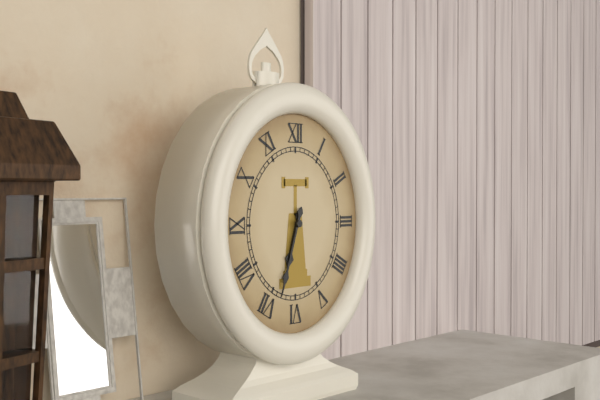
6:33
